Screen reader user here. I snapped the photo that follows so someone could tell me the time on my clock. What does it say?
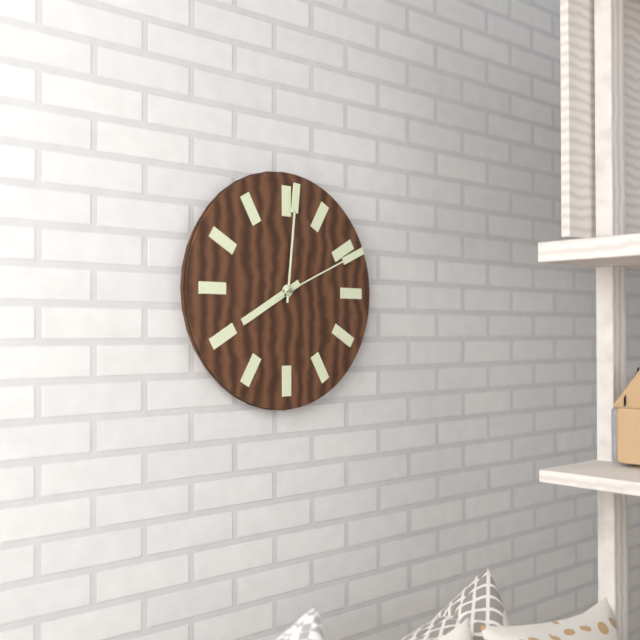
8:01:11
